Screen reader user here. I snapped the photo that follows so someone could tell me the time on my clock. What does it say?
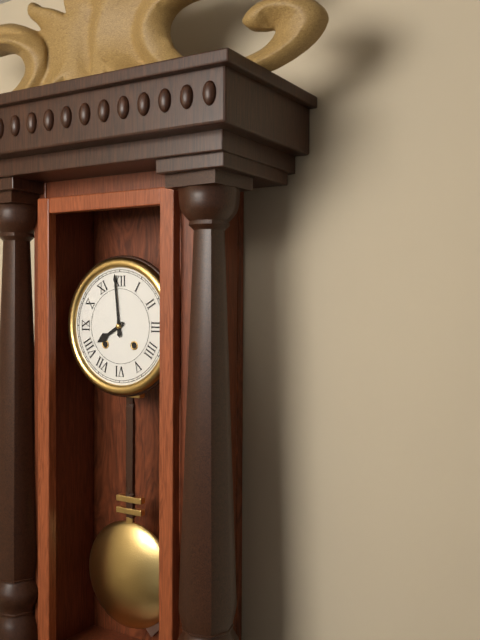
7:59
